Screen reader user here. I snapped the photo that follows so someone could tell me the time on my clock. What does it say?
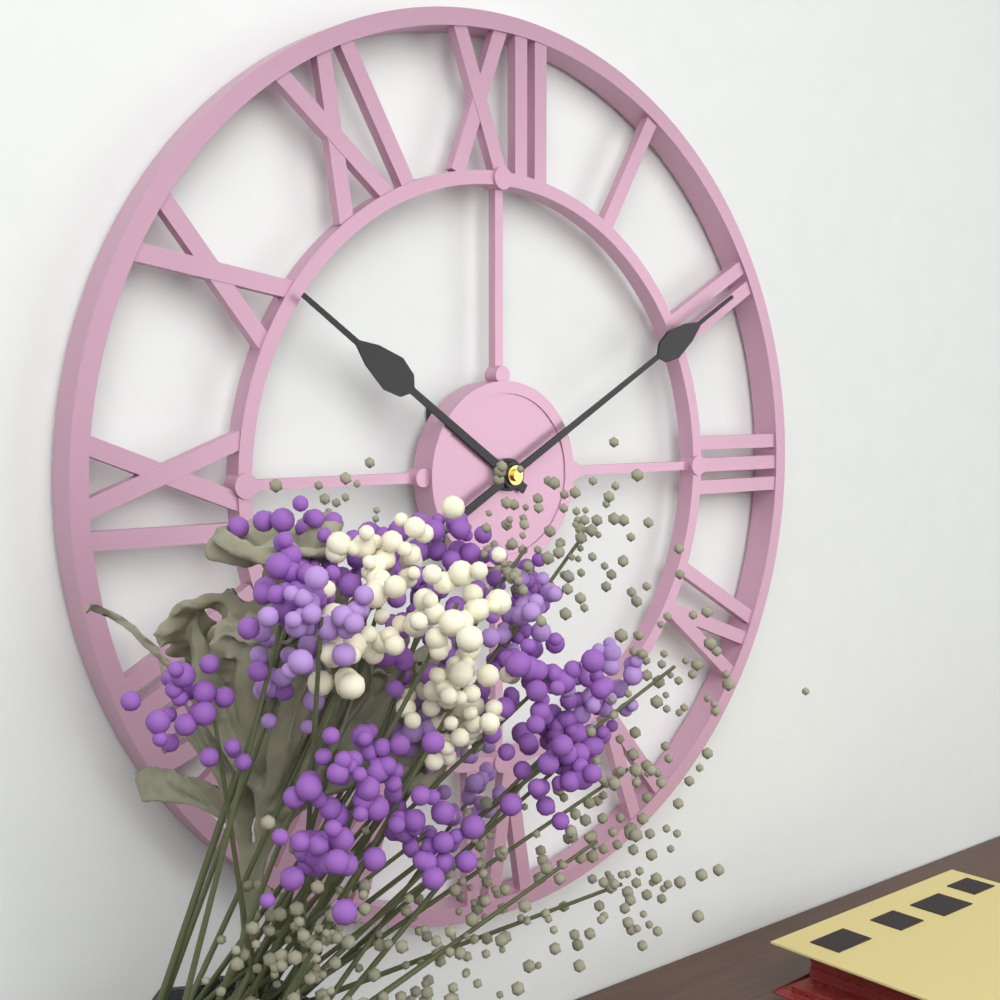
10:10
